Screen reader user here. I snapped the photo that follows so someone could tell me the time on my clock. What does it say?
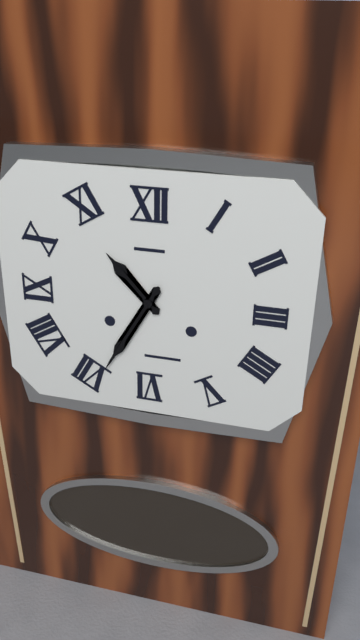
10:35
